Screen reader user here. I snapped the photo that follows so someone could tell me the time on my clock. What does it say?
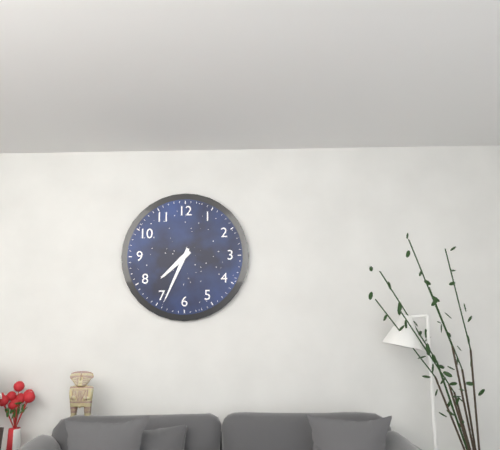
7:34
